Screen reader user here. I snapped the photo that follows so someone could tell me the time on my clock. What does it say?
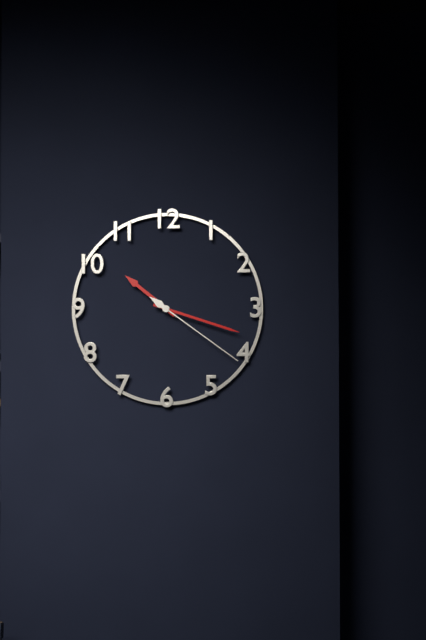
10:18:21
